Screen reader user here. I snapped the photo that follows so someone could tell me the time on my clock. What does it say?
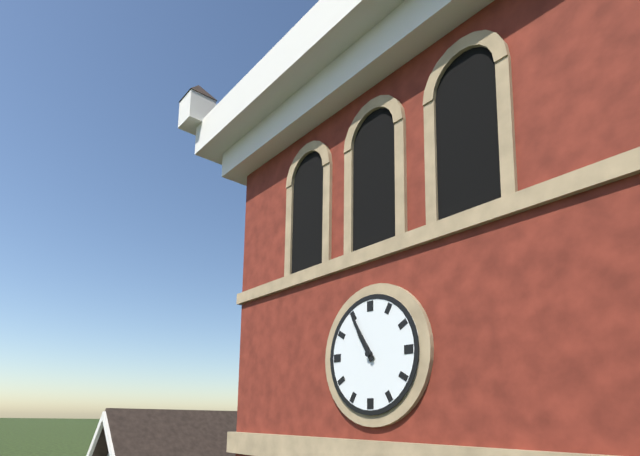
10:55
